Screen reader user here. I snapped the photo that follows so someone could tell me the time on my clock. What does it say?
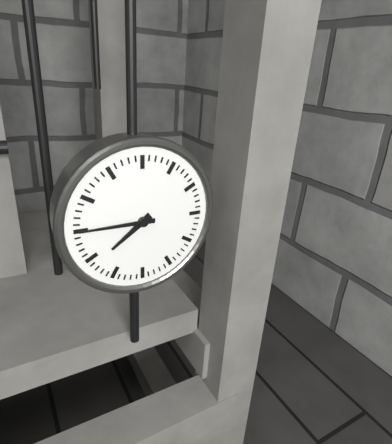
7:45
